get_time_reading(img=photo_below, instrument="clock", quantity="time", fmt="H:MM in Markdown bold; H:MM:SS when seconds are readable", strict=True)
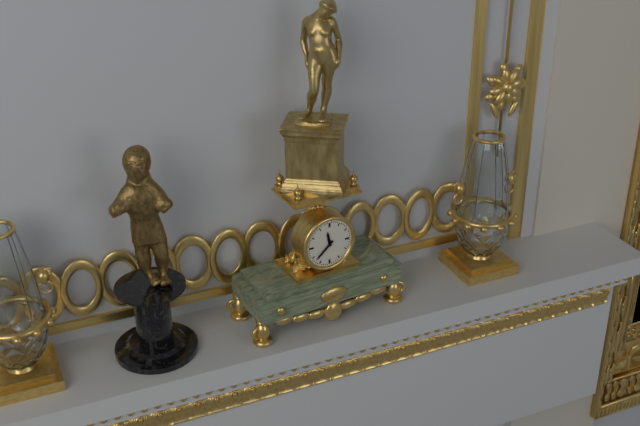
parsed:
**11:38**
